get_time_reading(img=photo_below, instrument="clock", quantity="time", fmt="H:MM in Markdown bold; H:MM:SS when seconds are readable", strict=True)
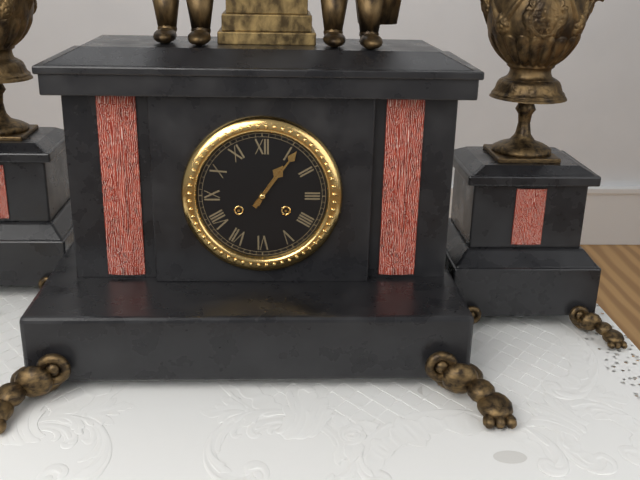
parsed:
**1:06**
